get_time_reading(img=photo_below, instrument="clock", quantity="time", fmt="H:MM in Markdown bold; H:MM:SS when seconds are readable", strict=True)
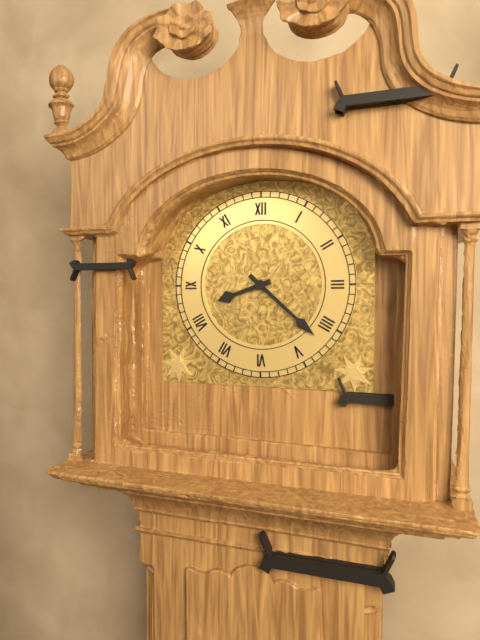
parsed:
**8:22**
